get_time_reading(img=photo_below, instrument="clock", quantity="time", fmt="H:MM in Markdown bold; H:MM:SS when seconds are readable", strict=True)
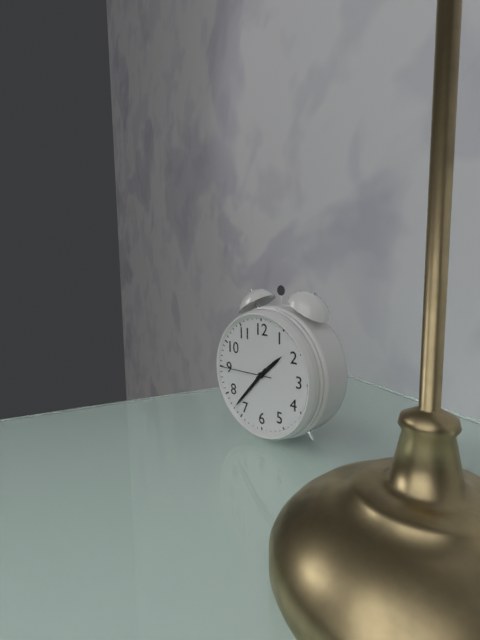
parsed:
**1:37:45**
